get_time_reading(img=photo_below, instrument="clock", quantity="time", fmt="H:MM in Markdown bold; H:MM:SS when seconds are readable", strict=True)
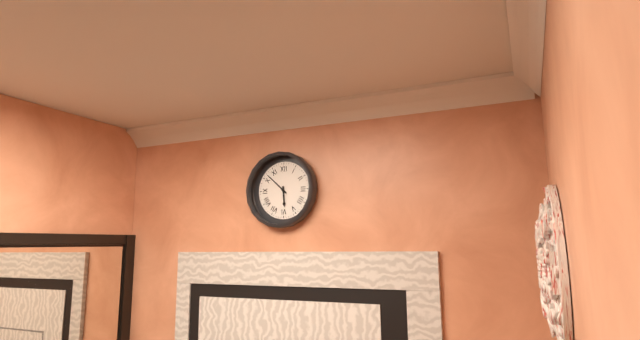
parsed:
**5:52**
